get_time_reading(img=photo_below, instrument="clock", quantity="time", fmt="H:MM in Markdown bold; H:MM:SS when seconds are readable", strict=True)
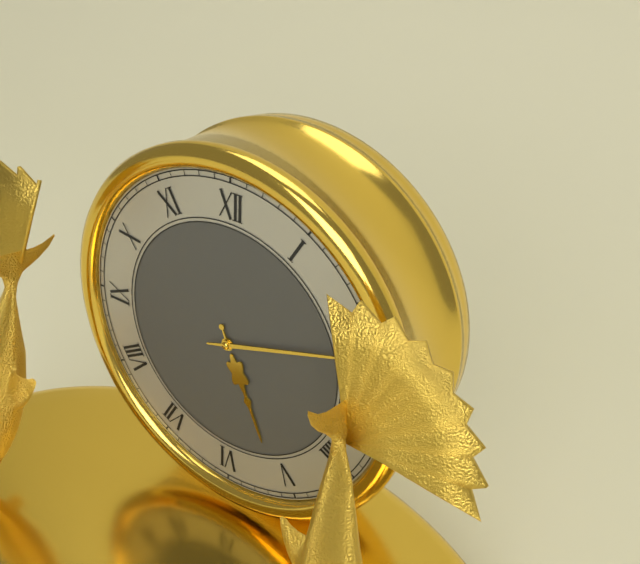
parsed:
**5:12**
